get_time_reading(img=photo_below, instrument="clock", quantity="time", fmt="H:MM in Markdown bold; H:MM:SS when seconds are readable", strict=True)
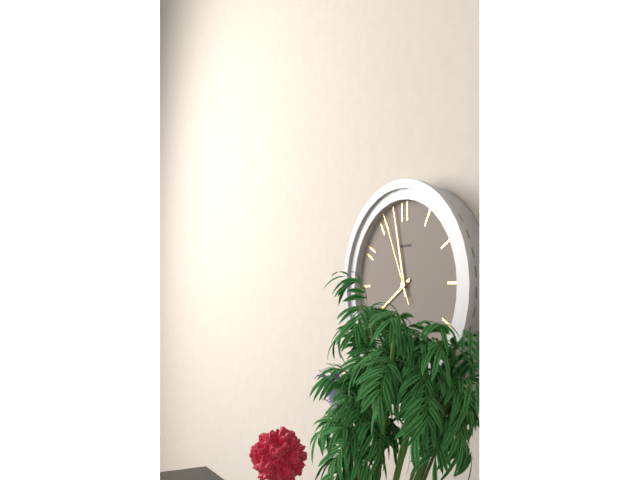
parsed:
**7:58:56**
